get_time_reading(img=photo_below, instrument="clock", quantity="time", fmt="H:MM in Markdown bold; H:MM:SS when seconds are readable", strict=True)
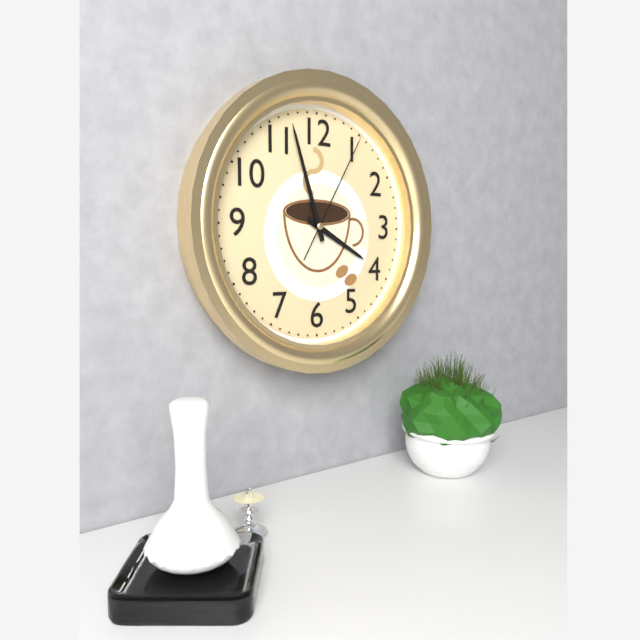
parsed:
**3:57:05**
